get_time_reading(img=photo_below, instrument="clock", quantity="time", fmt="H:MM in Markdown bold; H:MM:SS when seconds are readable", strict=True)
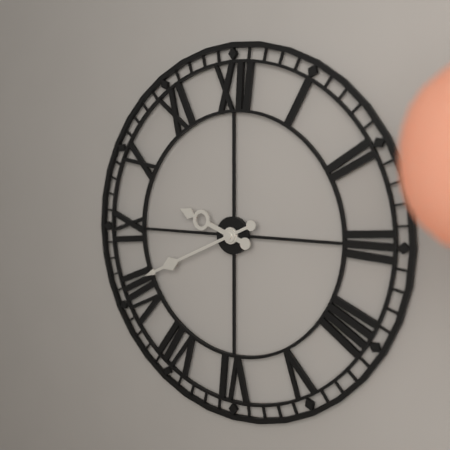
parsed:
**9:41**
